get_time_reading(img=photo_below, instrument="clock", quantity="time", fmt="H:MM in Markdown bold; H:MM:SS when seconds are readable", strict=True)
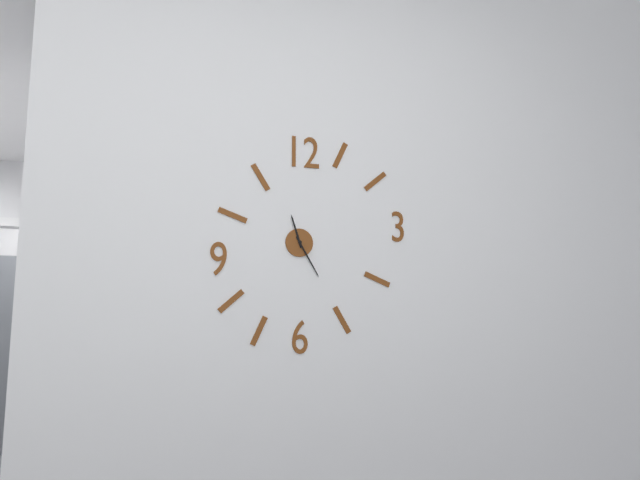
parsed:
**11:25**
